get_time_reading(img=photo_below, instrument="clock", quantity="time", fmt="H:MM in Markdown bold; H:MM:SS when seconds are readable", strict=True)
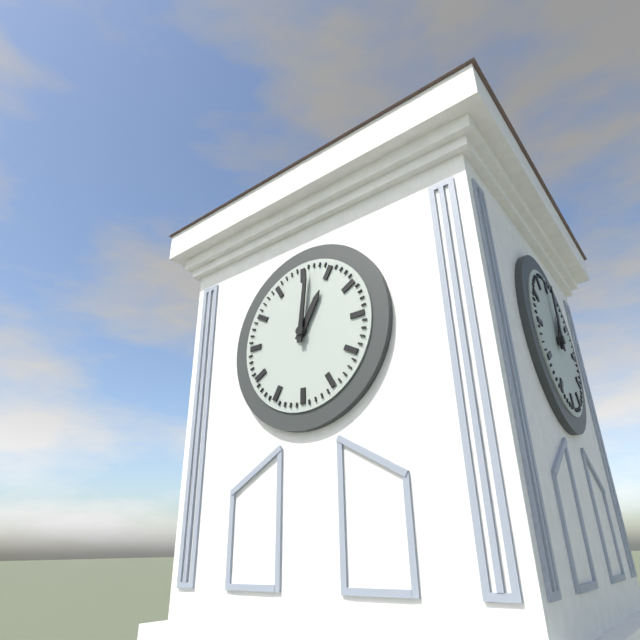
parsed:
**1:01**
